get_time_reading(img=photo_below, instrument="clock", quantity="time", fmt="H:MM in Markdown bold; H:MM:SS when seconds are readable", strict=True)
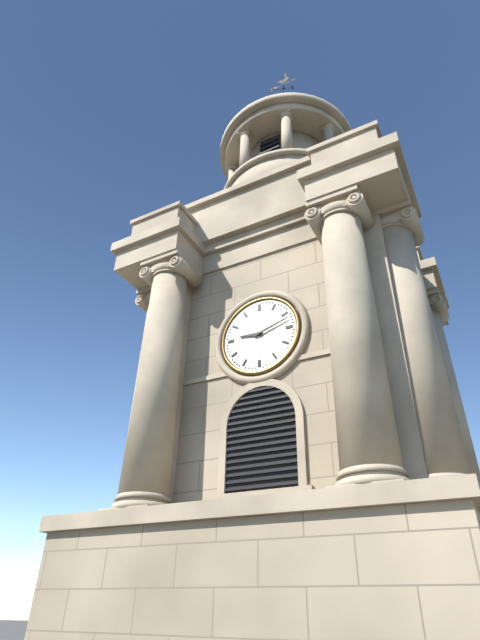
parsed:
**9:12**
